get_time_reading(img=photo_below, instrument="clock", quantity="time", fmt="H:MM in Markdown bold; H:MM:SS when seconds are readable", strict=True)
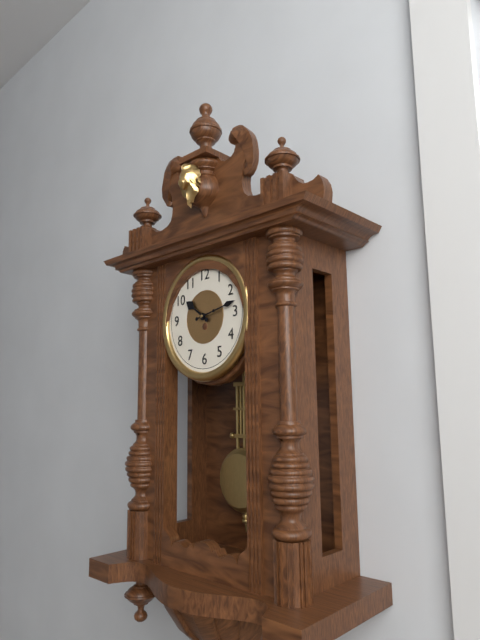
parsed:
**10:13**
